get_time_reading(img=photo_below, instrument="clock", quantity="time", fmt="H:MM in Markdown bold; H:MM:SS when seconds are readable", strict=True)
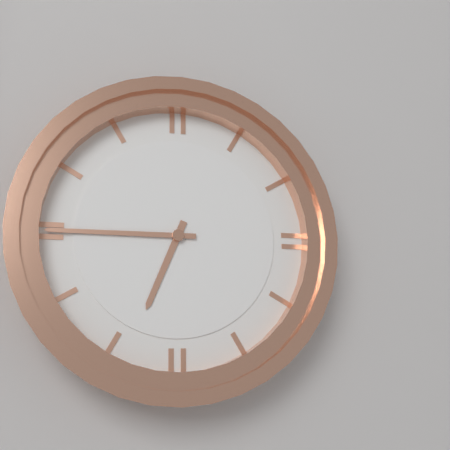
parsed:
**6:45**
